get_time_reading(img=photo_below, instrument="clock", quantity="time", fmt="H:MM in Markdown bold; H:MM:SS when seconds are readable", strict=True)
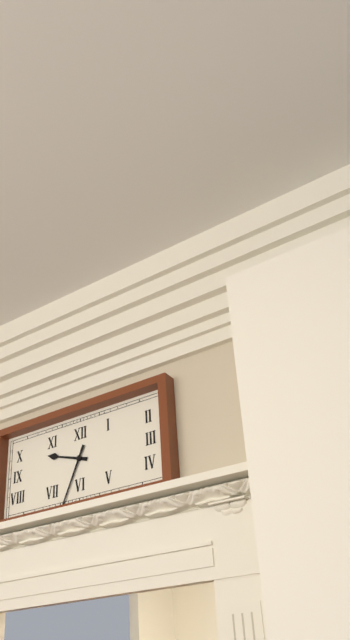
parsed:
**9:34**
